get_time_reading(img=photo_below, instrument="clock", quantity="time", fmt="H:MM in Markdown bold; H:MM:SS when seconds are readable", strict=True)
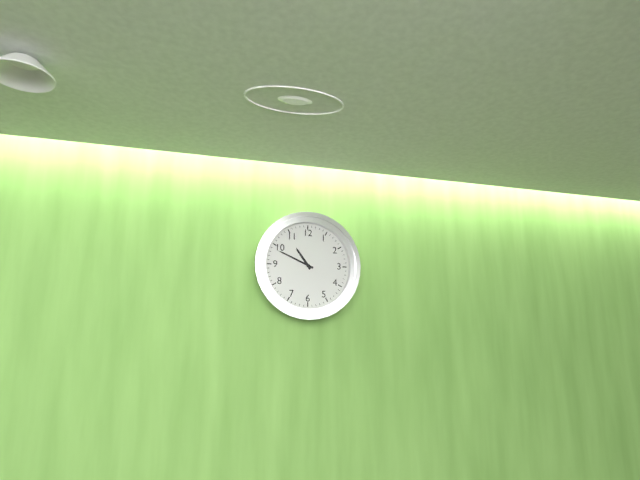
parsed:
**10:49**
